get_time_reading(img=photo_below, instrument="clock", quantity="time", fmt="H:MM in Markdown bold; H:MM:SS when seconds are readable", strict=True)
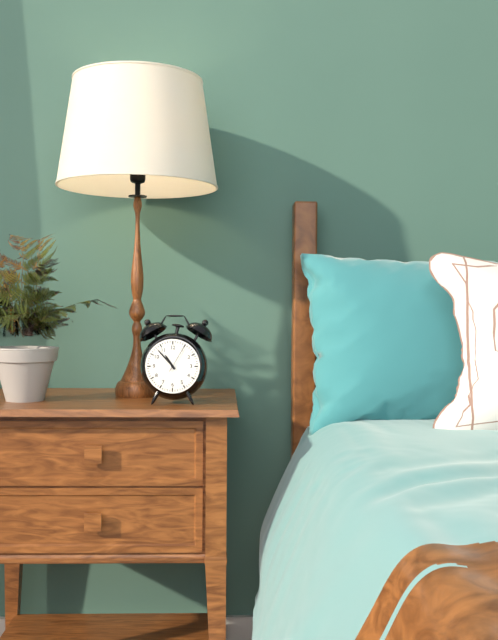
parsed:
**10:53**
